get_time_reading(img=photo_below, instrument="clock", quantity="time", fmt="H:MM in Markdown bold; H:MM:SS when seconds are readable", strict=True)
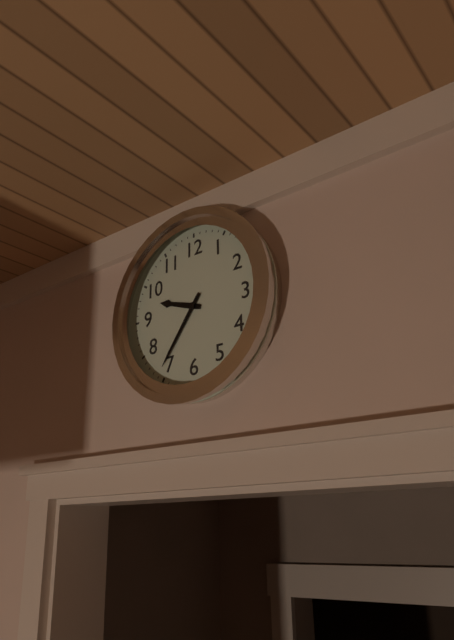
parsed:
**9:36**
